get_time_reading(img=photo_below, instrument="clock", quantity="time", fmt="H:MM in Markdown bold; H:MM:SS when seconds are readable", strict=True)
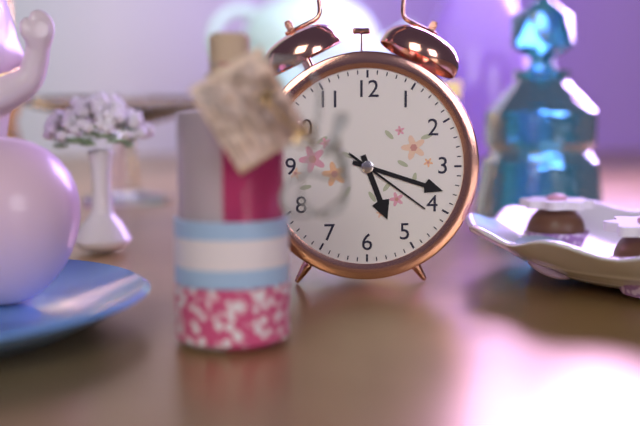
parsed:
**5:18:21**
